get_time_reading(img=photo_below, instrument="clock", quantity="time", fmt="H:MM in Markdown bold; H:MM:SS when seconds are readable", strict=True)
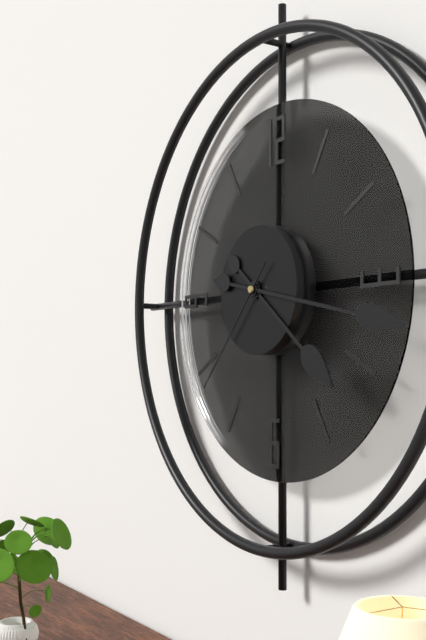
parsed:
**4:17:37**
